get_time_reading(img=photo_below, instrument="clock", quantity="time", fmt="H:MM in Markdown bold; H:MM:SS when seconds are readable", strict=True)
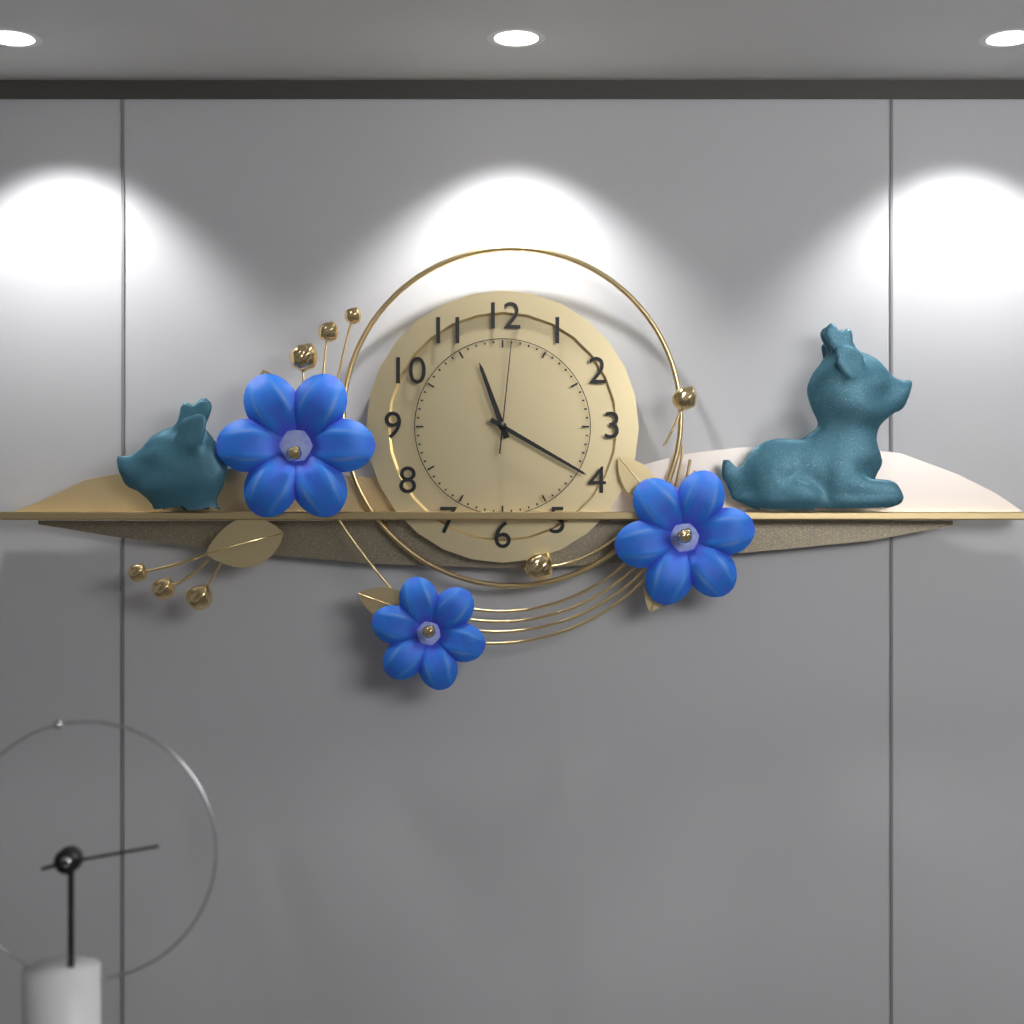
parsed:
**11:20:01**
